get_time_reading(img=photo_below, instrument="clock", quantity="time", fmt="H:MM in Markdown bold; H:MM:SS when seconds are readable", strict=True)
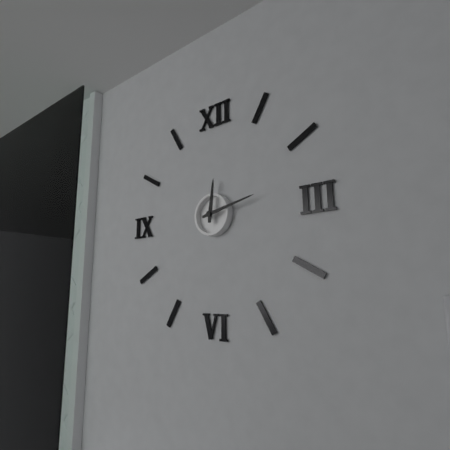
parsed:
**12:13**
